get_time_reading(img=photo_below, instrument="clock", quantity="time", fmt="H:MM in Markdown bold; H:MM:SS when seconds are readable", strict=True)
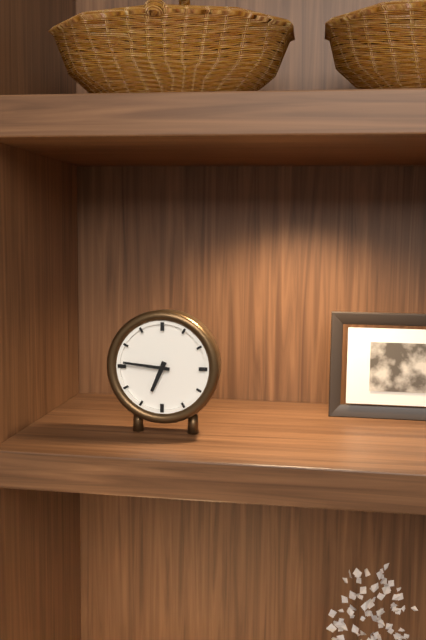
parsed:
**6:46**
